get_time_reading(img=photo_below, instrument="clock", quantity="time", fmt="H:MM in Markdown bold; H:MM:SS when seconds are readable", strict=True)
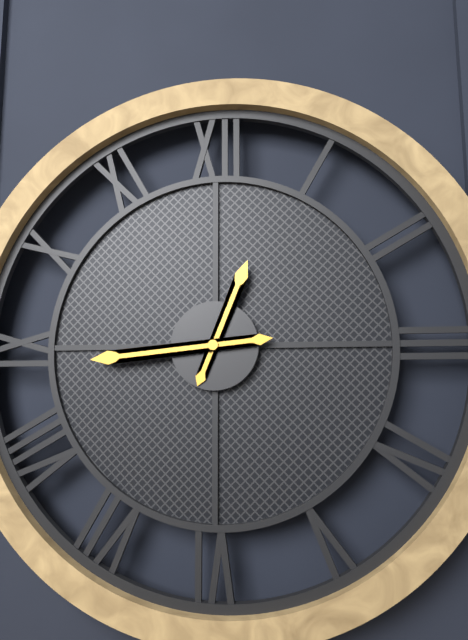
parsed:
**12:44**
